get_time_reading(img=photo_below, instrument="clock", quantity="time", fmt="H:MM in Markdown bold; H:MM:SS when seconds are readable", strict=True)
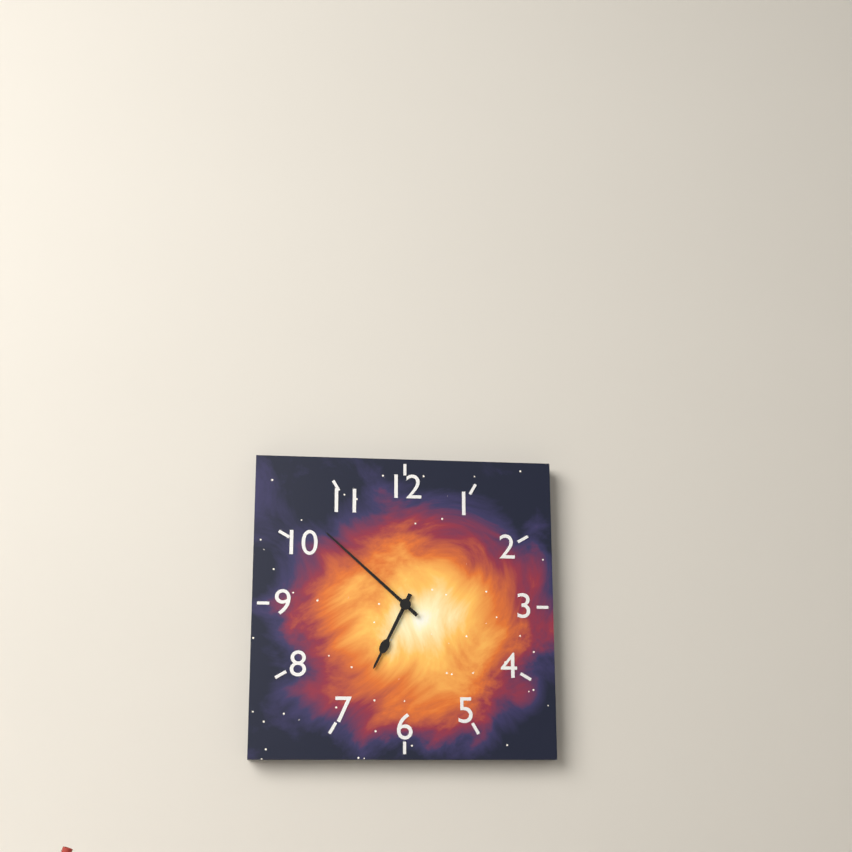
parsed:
**6:52**
